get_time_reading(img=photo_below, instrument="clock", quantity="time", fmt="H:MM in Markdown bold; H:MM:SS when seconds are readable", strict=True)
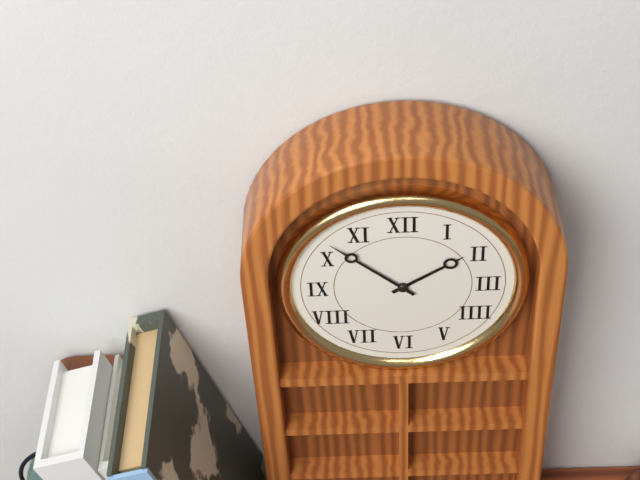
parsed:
**1:52**
